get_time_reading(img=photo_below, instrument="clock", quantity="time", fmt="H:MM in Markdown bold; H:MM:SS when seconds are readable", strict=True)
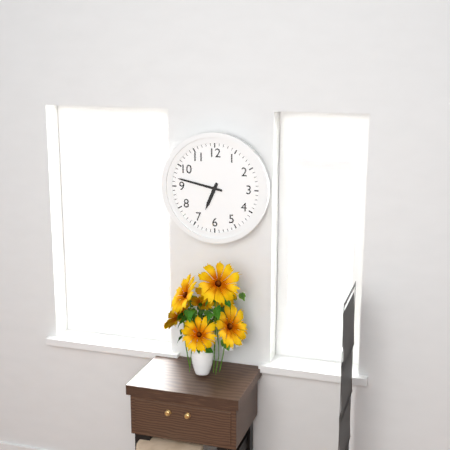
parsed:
**6:47**
